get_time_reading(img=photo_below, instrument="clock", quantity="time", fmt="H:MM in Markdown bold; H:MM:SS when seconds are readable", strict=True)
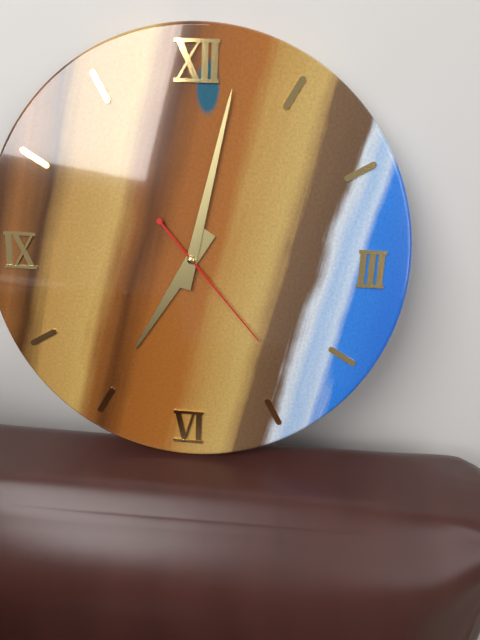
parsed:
**7:02:23**
